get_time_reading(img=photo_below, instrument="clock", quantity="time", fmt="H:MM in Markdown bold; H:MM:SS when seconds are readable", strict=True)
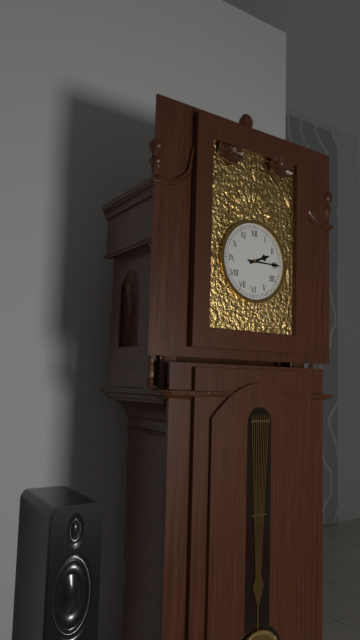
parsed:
**2:15**
